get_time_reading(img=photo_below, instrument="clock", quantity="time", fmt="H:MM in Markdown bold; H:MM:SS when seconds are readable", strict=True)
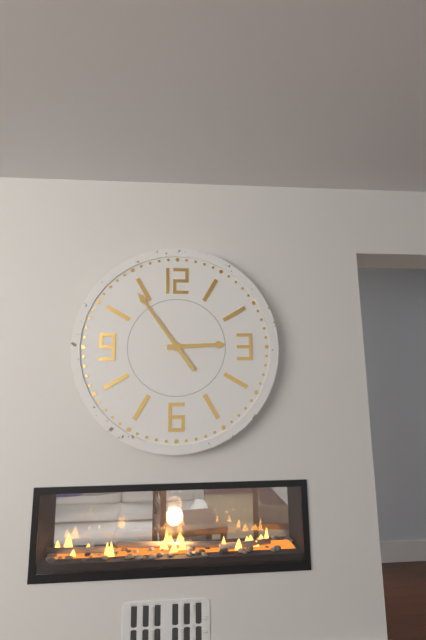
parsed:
**2:54**
